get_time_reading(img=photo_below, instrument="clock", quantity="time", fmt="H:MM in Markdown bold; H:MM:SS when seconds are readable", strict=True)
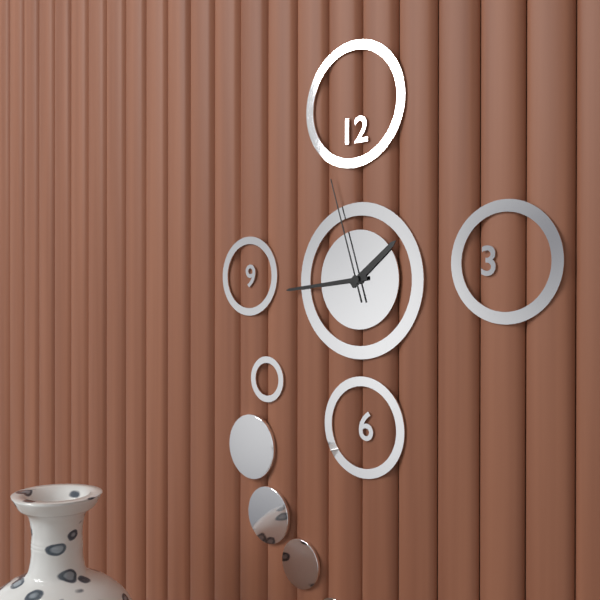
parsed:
**1:44:57**
